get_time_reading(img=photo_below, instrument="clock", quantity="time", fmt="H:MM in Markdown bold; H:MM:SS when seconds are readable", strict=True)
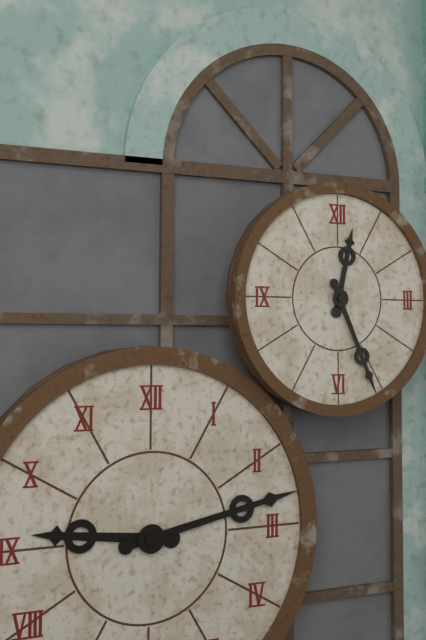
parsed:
**12:26**
